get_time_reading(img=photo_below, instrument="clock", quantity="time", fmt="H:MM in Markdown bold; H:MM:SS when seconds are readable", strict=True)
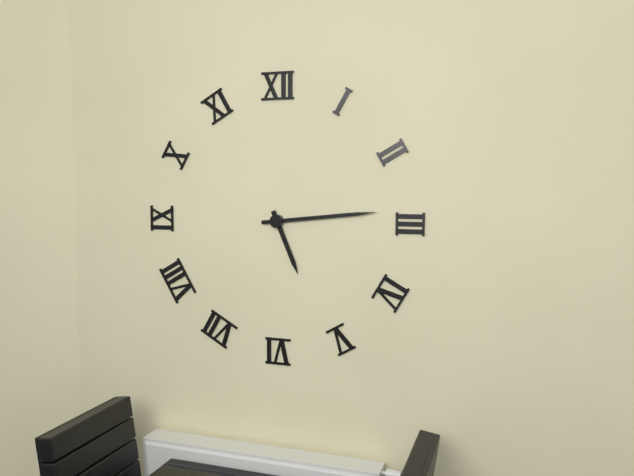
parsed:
**5:14**
